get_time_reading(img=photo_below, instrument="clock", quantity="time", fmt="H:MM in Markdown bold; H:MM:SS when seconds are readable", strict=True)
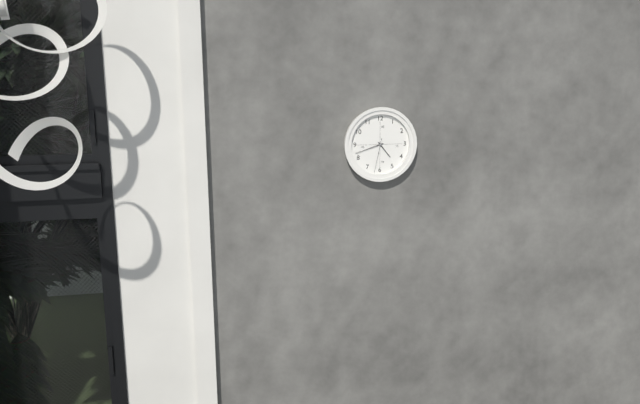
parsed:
**4:42**
